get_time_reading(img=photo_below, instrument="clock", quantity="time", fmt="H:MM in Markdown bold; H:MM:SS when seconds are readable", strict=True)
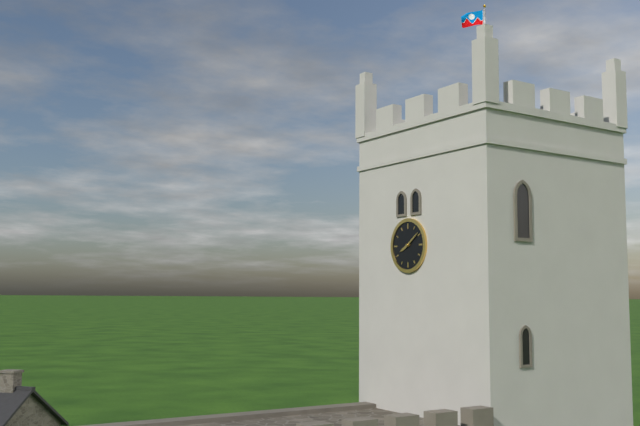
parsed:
**8:09**
